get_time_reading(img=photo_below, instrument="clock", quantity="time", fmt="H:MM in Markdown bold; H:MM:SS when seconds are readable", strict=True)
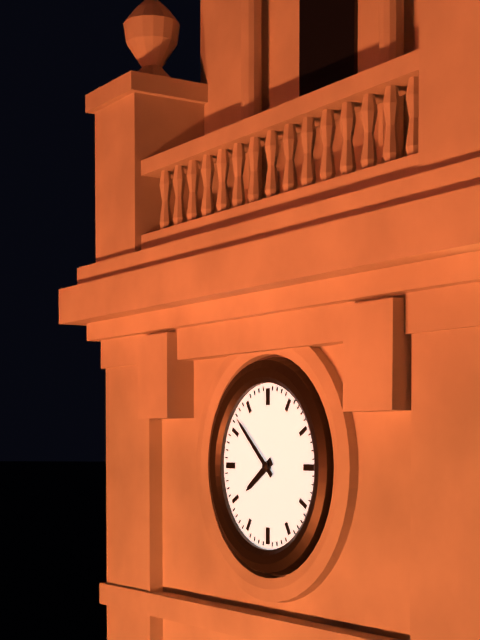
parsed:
**7:52**
